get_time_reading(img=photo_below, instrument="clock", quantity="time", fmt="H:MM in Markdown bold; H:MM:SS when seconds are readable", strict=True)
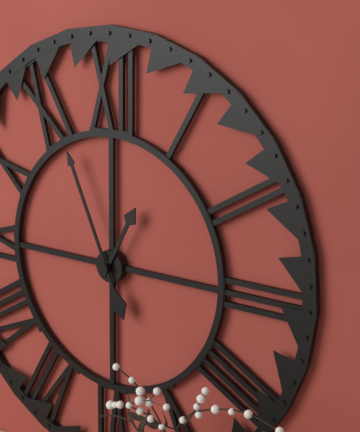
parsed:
**12:56**
